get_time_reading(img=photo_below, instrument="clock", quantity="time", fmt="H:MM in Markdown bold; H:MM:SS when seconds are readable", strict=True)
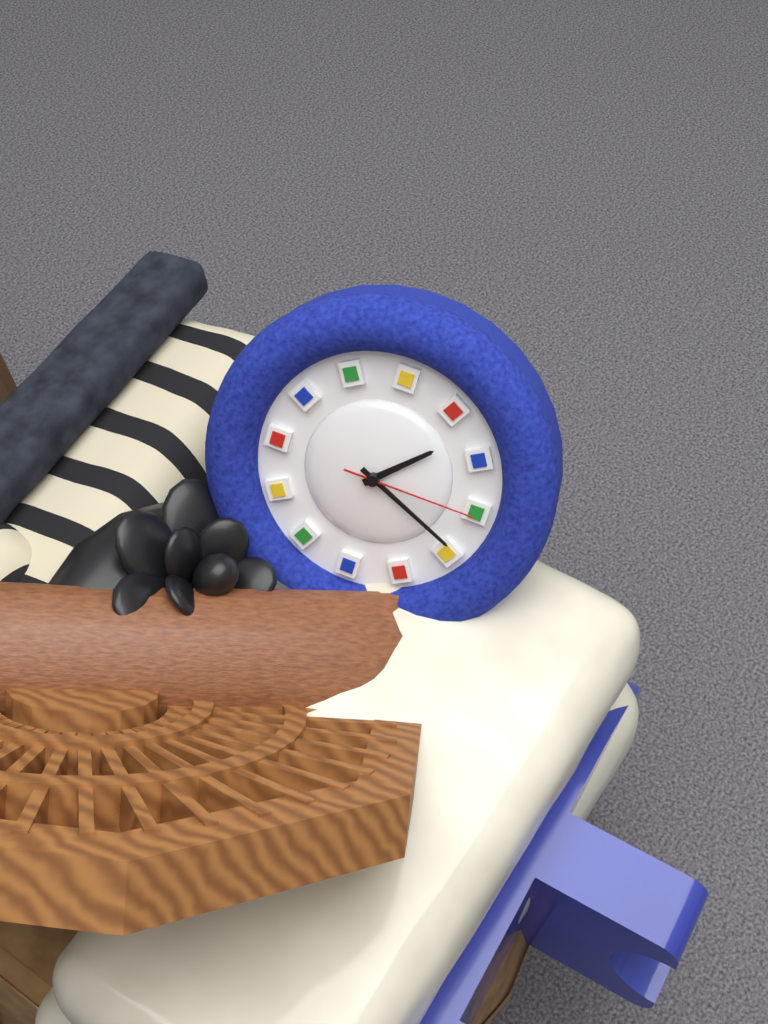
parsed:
**3:29:25**
